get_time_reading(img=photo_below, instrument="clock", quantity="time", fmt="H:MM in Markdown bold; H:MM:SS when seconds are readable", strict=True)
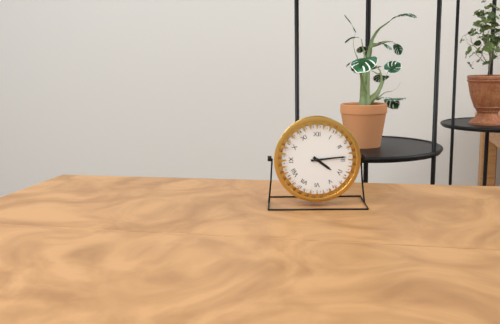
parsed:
**4:14**
